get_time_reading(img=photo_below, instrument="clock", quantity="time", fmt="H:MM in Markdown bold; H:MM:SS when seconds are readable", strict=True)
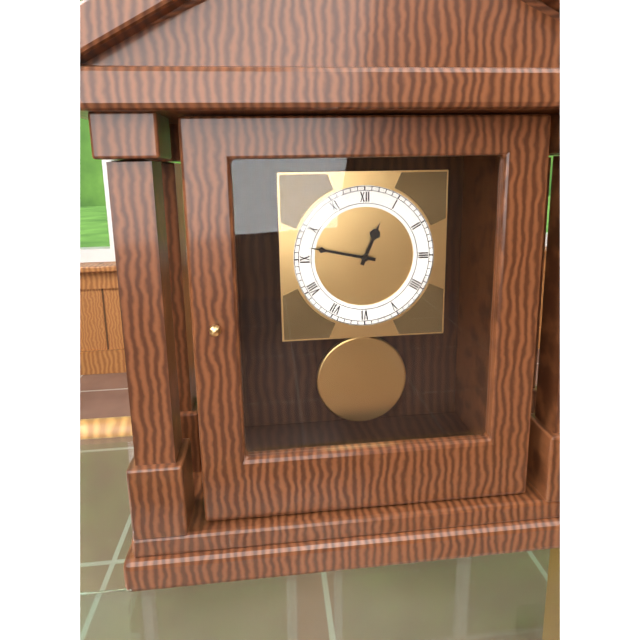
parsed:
**12:47**
